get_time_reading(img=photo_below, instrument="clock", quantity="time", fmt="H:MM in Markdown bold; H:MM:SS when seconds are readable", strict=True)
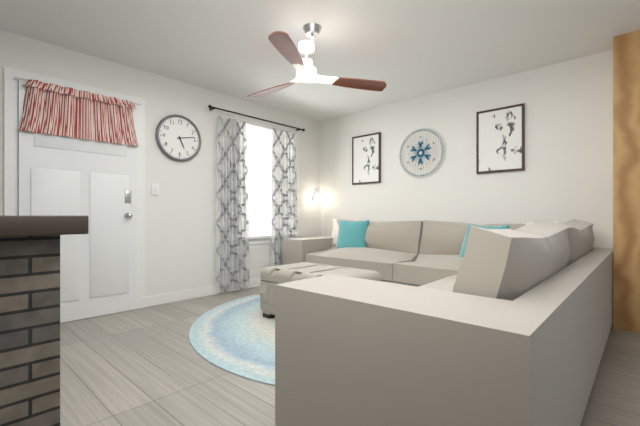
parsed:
**5:13**
